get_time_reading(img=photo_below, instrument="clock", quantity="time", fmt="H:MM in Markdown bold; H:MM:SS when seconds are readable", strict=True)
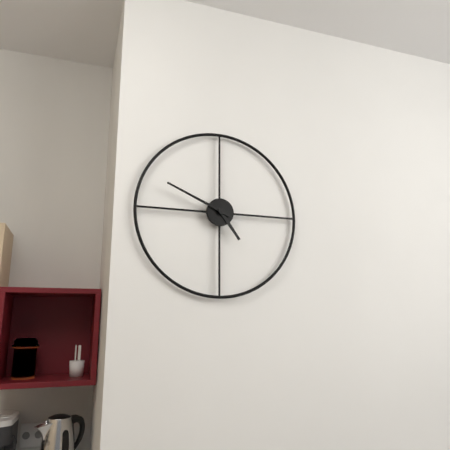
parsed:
**4:49**
